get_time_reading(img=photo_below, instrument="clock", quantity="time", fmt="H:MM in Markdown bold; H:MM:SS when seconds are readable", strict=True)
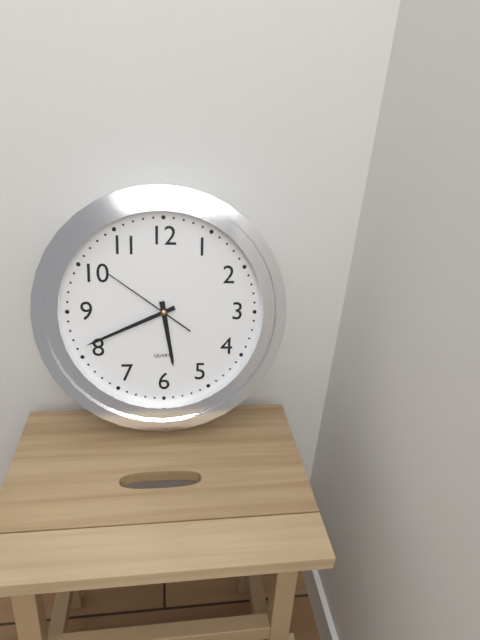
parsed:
**5:41:51**
